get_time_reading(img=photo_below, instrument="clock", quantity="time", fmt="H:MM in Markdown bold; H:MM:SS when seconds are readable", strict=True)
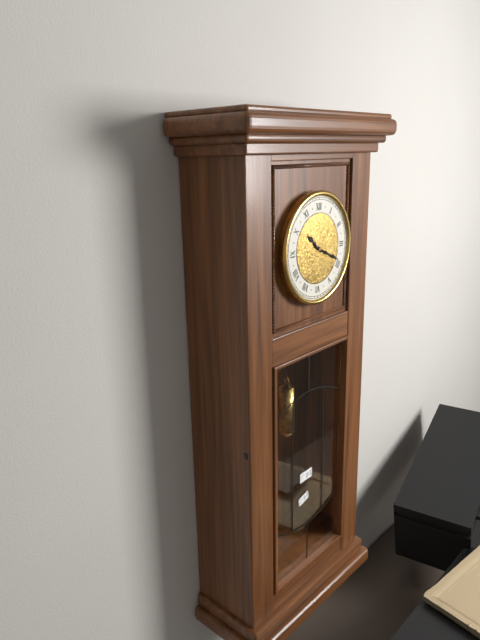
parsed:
**10:19**
